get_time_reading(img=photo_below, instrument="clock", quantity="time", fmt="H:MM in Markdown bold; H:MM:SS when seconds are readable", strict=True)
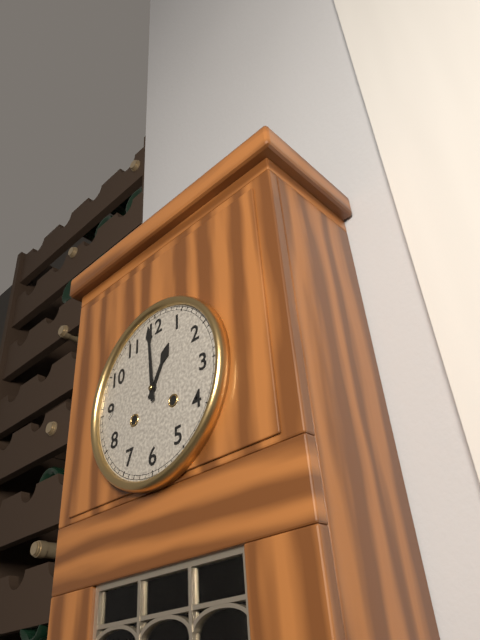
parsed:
**12:59**
